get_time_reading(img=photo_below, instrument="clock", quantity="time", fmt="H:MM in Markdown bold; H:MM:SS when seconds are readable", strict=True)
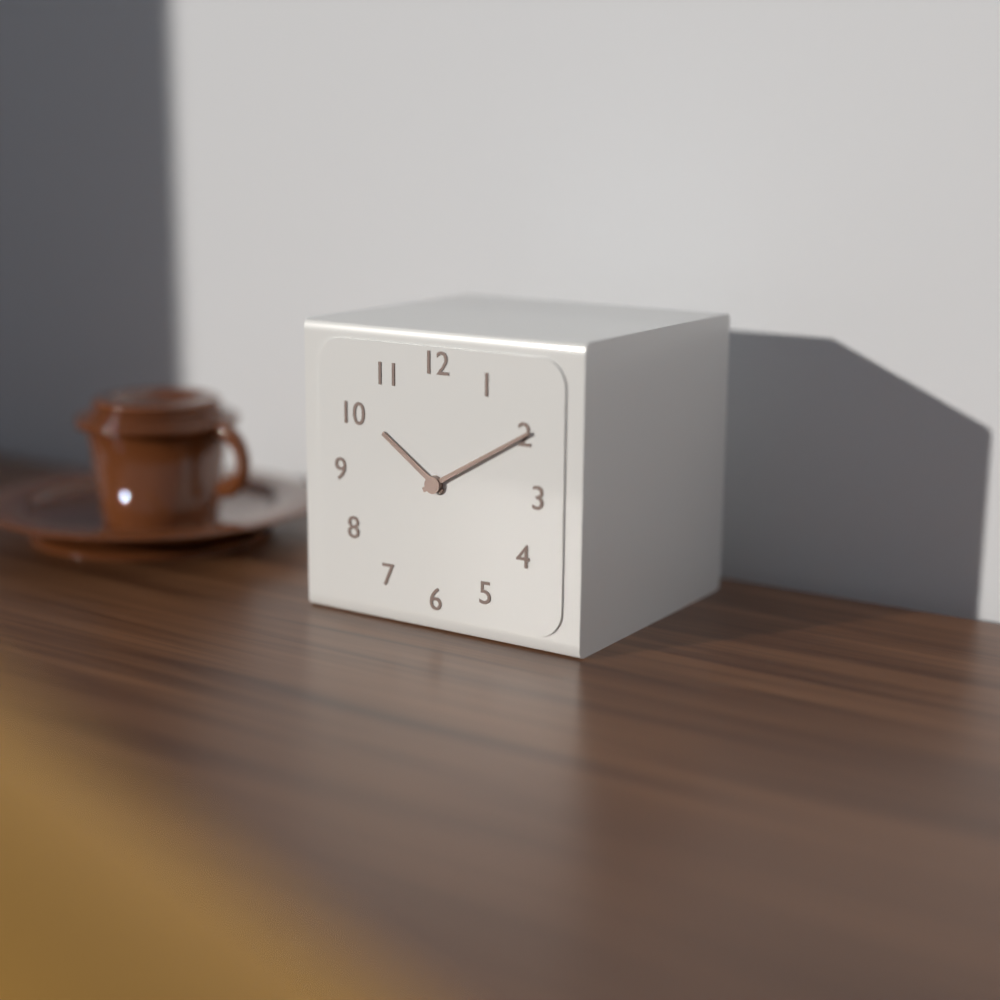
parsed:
**10:10**
